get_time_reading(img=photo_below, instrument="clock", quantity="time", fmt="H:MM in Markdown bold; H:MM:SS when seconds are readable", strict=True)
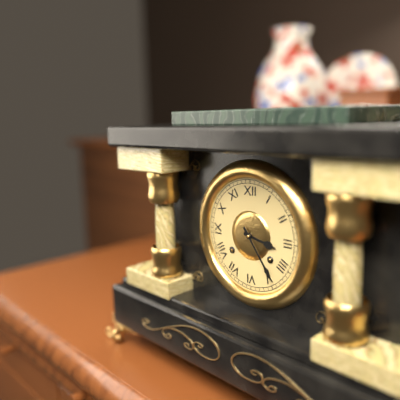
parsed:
**3:24**
